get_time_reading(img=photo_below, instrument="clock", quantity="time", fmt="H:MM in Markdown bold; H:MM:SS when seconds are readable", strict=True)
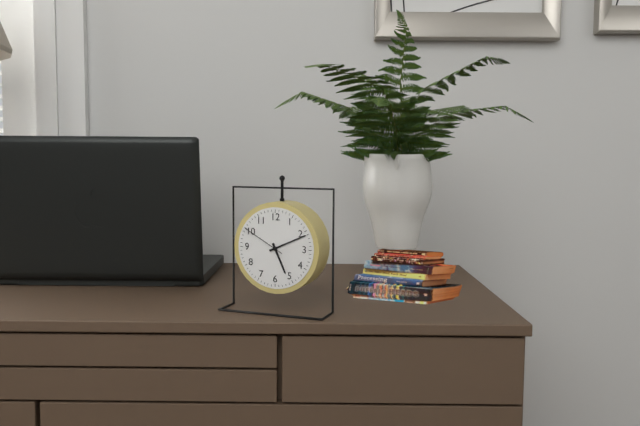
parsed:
**5:11:50**
